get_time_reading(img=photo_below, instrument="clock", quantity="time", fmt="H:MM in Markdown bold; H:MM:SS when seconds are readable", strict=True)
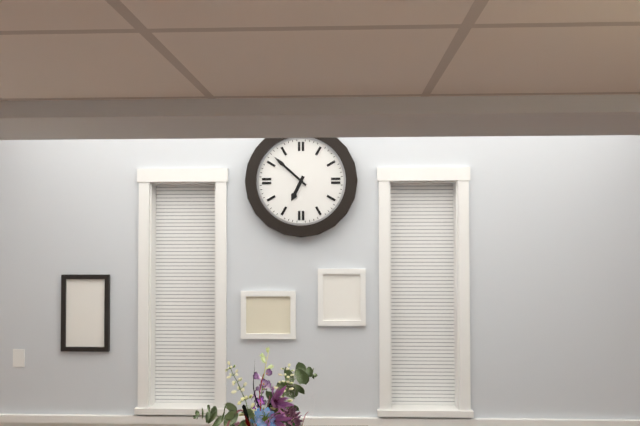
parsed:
**6:52**
